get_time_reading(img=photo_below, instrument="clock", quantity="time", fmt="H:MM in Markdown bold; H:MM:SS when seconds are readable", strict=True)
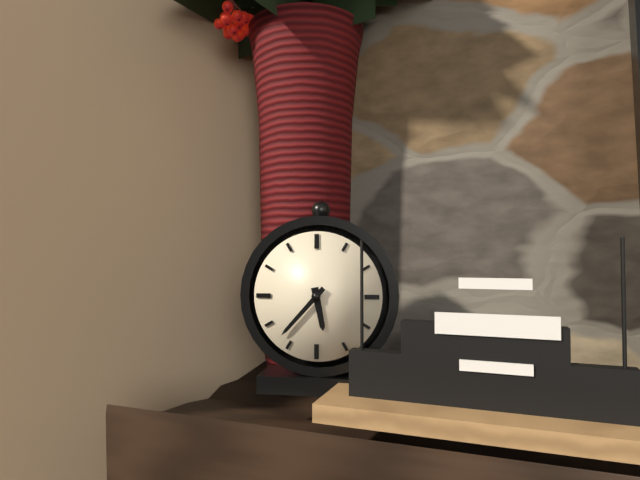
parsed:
**5:37**
